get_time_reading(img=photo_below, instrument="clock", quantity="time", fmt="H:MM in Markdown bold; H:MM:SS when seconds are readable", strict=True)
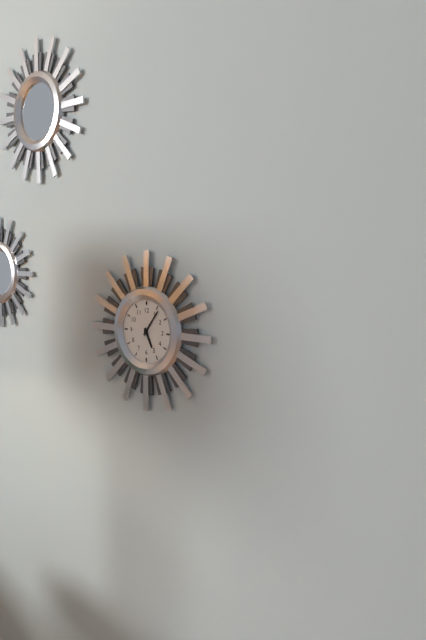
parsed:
**5:06**
